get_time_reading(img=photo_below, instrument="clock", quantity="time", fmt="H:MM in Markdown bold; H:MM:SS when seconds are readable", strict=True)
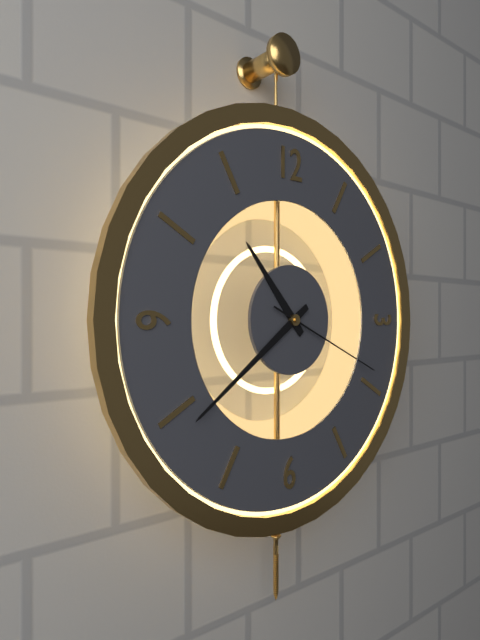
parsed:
**10:39:19**
